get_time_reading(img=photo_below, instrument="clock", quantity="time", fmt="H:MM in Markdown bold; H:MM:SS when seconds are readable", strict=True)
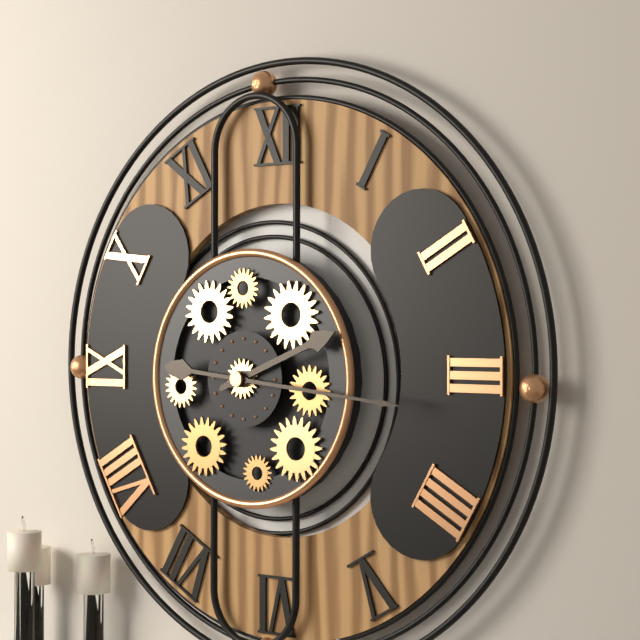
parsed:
**2:16**
